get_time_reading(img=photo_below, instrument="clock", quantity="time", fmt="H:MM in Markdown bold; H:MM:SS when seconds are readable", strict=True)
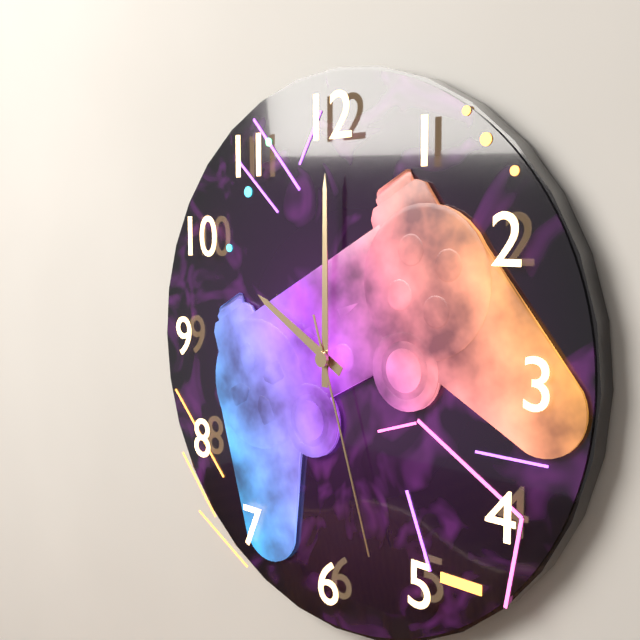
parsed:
**10:00:27**
